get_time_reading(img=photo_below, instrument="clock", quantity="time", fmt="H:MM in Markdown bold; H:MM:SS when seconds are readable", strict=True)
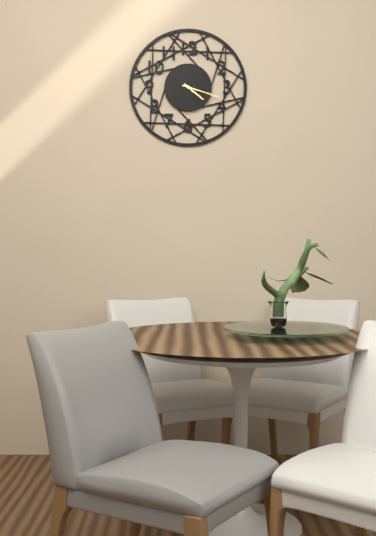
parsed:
**4:18**
